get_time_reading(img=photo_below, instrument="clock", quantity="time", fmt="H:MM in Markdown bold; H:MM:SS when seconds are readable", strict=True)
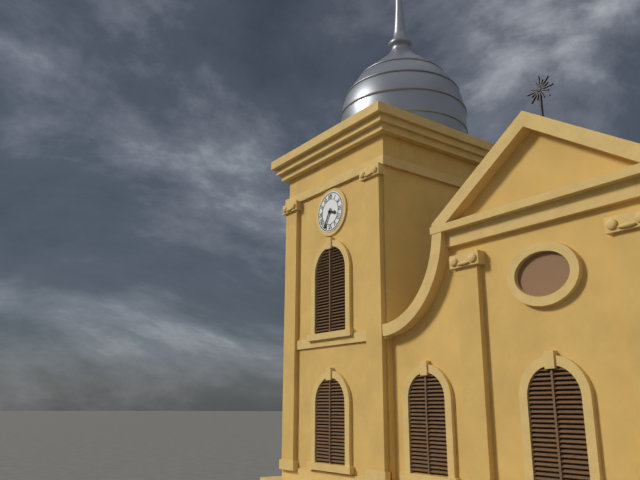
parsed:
**3:35**
